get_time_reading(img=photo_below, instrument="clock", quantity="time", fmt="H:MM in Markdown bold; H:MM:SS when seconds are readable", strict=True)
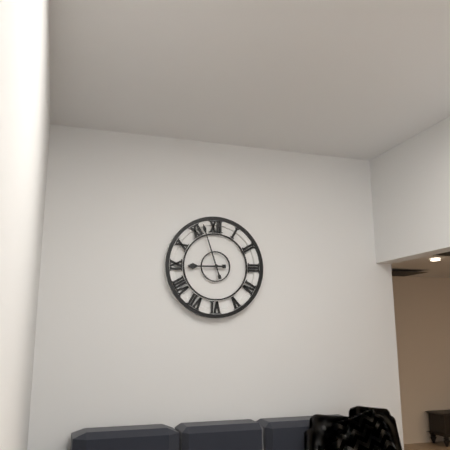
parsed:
**8:57**
